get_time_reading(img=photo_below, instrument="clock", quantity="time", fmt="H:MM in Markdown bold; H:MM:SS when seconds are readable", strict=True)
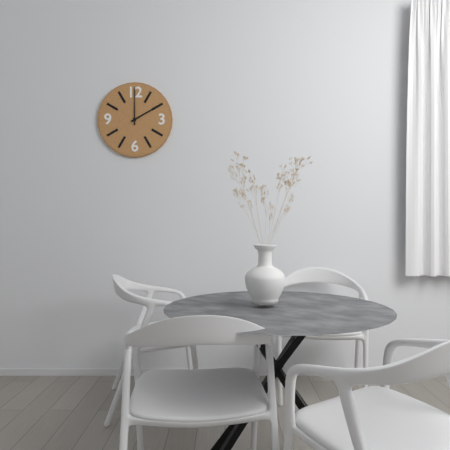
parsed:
**2:00**
